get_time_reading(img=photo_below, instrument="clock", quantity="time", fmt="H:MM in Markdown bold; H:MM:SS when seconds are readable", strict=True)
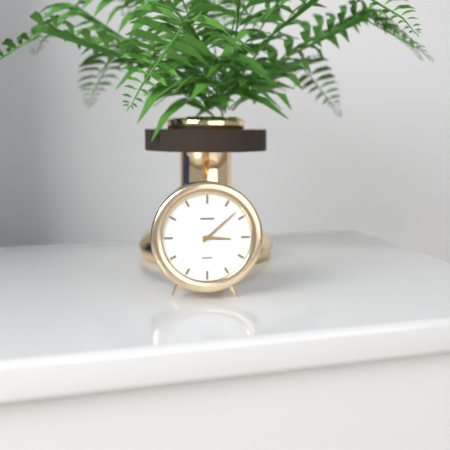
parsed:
**3:08**
